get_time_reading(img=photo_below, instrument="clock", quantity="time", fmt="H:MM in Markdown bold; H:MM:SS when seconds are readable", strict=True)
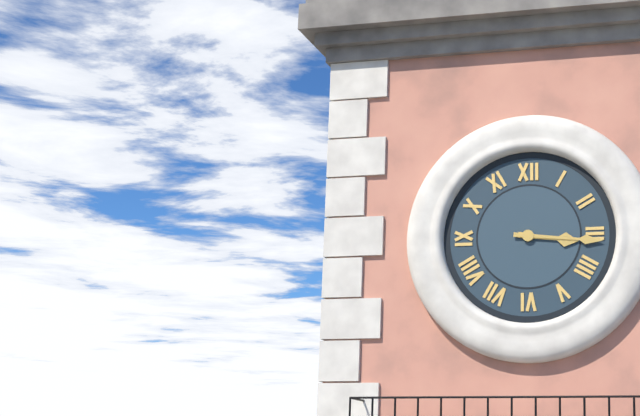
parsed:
**3:16**
